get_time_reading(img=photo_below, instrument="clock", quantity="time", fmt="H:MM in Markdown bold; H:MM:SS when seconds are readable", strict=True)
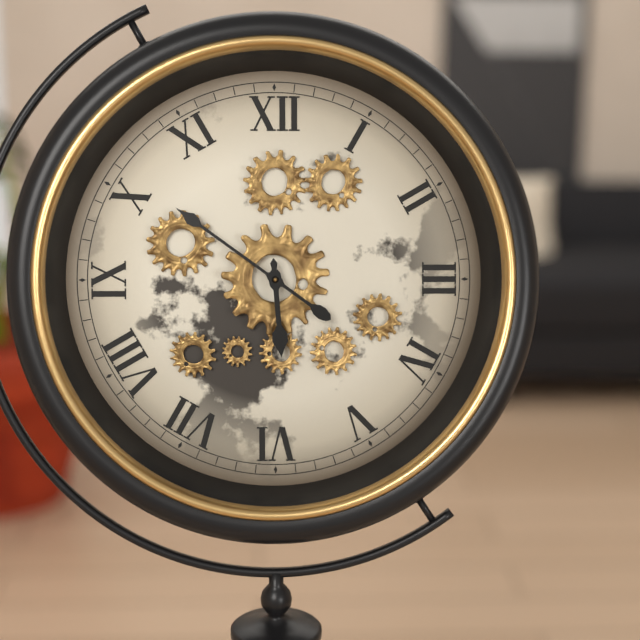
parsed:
**5:51**
